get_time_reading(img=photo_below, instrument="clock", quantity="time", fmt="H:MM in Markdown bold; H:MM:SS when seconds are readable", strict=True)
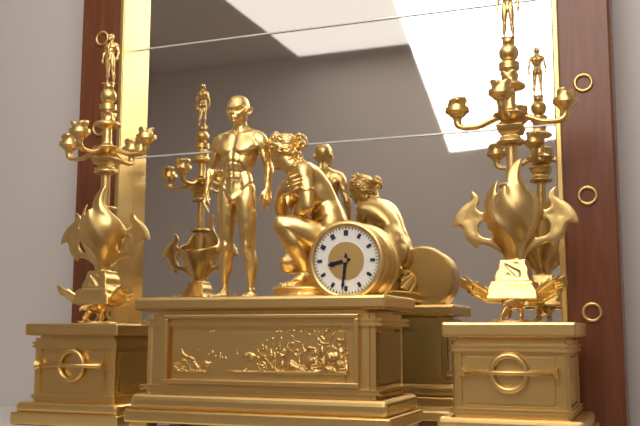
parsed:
**8:31**
